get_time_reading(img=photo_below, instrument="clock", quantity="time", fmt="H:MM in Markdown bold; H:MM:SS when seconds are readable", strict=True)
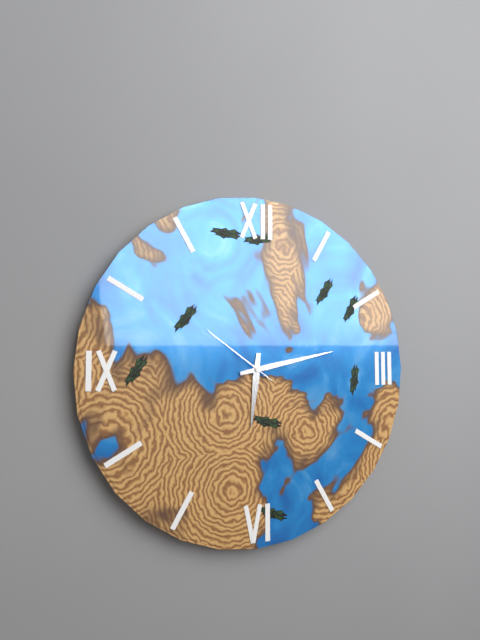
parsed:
**6:13:51**
